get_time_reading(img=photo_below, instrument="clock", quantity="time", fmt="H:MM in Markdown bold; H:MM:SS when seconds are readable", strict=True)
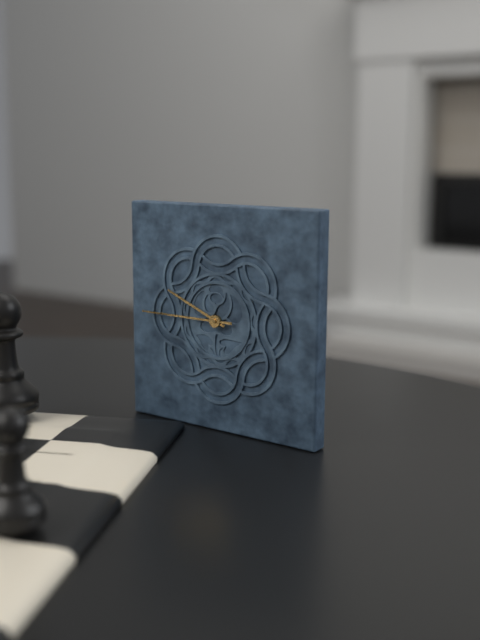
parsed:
**9:45**
